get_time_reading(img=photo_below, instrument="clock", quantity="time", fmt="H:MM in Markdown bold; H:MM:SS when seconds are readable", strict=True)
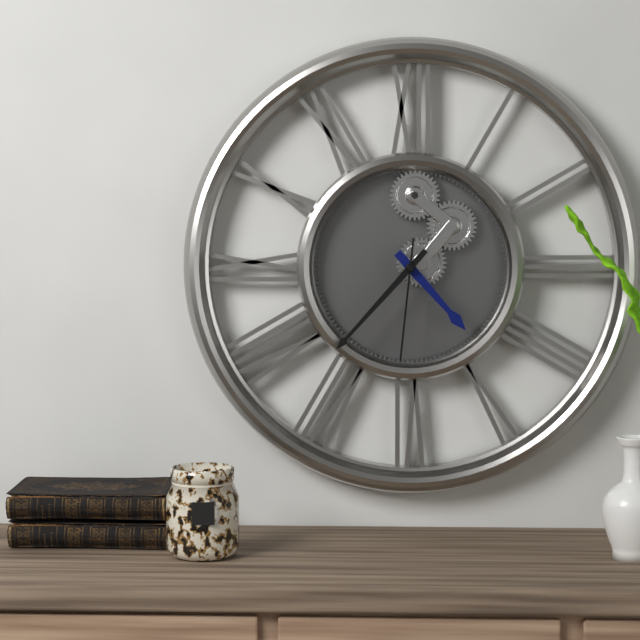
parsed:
**4:37:31**
